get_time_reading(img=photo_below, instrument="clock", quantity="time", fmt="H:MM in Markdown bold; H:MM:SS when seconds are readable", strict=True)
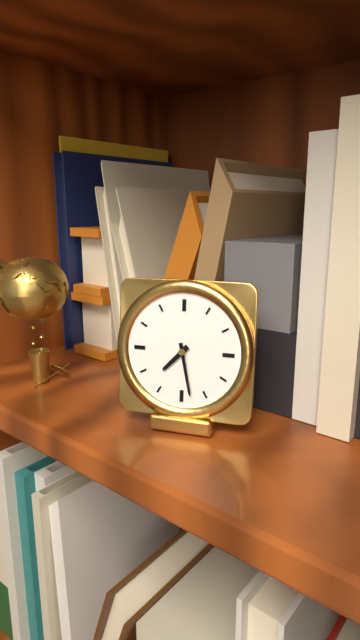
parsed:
**7:28**
